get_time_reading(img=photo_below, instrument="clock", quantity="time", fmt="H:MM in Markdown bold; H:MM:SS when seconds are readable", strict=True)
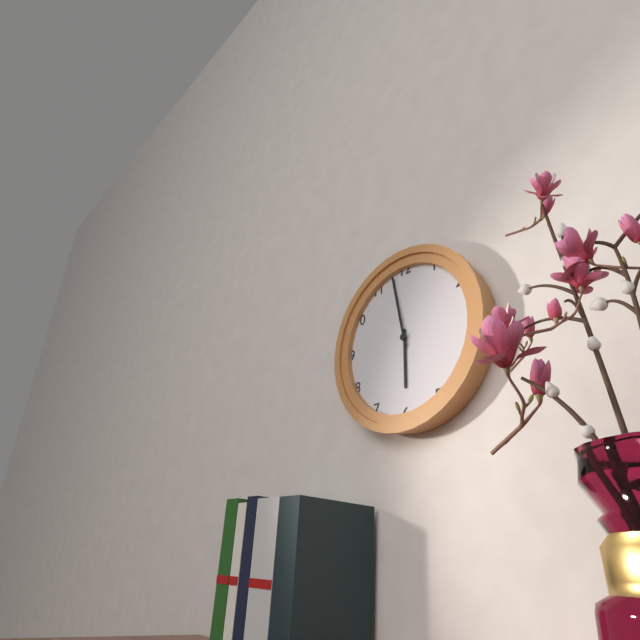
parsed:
**5:58**
